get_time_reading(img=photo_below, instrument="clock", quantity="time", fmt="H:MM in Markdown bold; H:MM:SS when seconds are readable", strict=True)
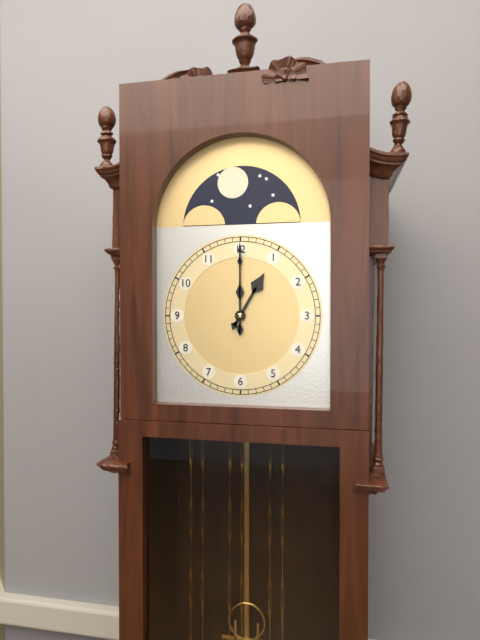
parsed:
**1:00**
